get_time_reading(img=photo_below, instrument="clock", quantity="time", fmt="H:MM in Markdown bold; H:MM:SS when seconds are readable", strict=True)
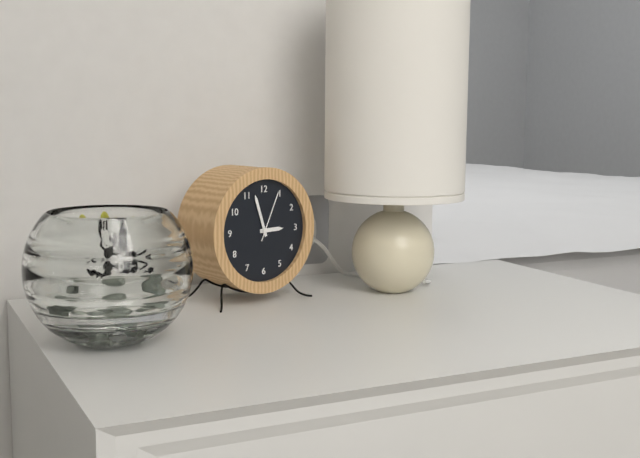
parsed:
**2:57:04**
